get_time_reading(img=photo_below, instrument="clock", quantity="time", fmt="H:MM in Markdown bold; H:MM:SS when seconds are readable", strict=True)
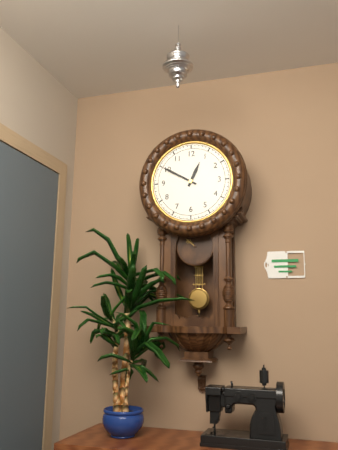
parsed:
**12:50**
